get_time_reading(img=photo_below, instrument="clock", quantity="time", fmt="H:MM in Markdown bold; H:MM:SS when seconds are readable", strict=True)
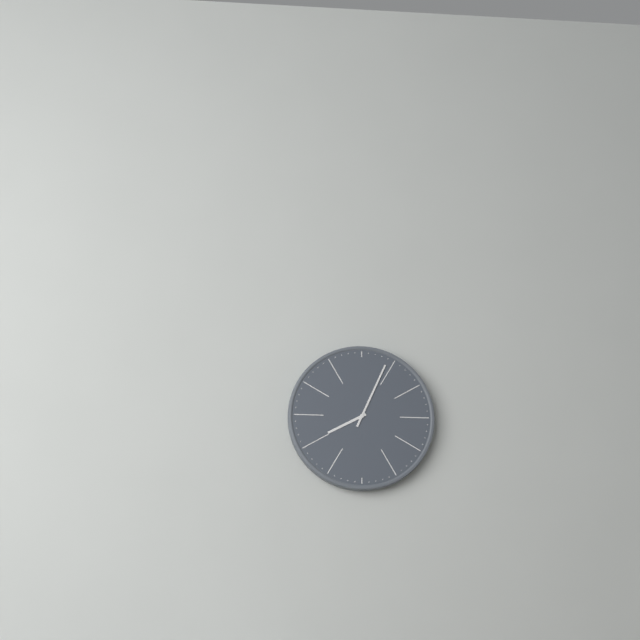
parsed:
**8:04**
